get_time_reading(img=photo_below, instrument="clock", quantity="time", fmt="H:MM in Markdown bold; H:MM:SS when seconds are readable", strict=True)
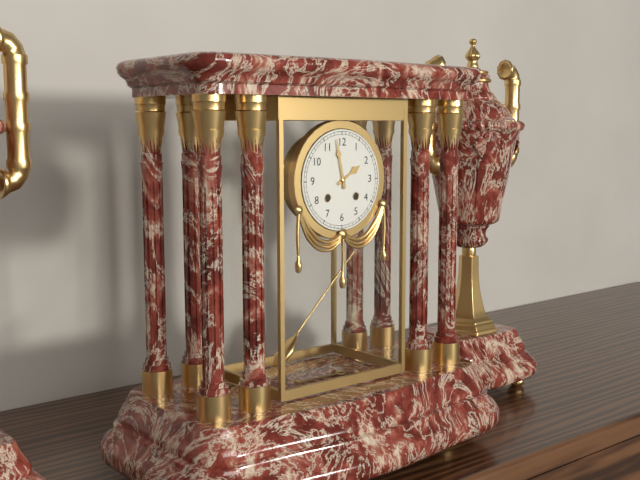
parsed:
**1:58**
